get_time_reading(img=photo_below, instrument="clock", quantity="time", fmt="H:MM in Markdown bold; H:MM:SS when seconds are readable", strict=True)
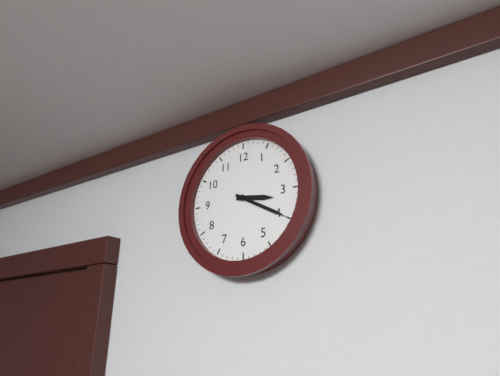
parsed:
**3:20**
